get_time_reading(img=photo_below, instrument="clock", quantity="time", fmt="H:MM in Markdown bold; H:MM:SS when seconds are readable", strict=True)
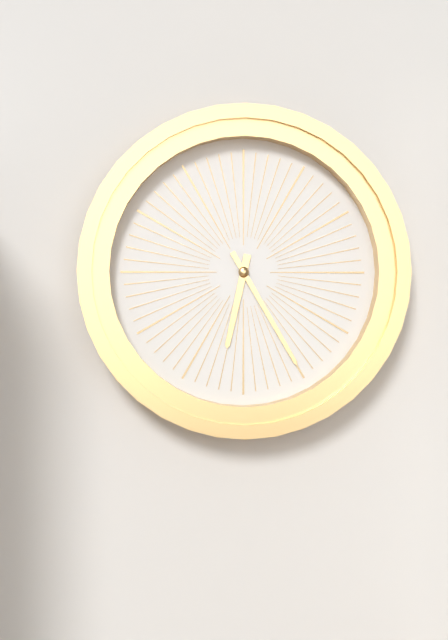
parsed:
**6:25**
